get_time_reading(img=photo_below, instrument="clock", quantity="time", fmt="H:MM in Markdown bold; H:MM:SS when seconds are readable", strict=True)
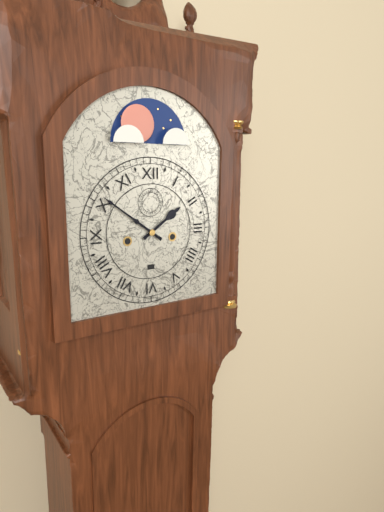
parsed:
**1:51**
